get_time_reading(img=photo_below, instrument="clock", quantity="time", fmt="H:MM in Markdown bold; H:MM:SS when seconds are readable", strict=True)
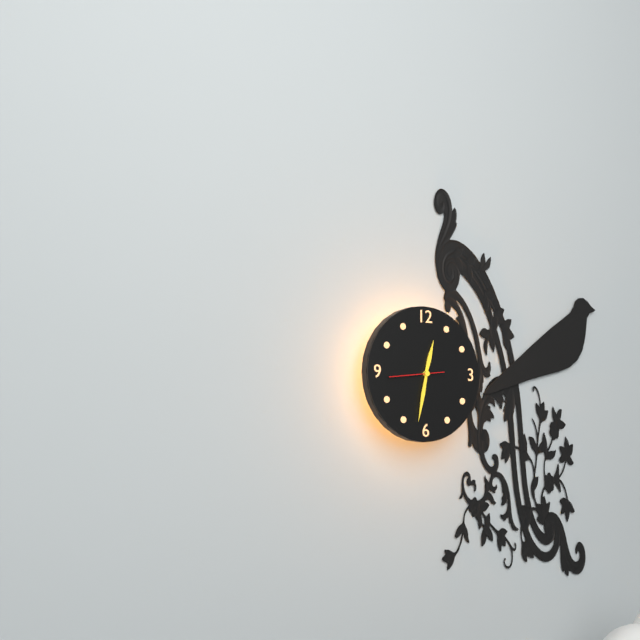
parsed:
**12:32**
